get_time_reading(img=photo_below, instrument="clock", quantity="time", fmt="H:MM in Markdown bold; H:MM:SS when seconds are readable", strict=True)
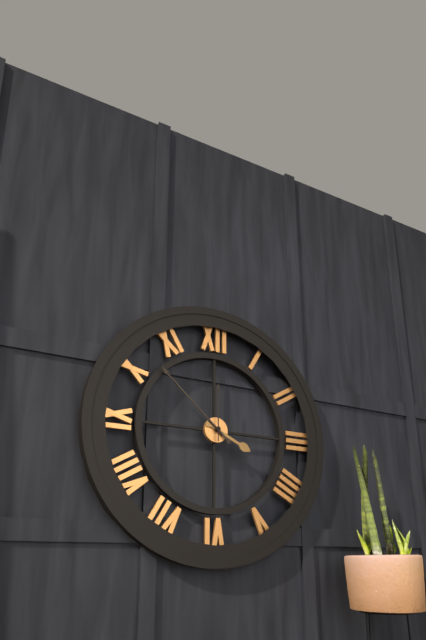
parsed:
**3:52:00**
